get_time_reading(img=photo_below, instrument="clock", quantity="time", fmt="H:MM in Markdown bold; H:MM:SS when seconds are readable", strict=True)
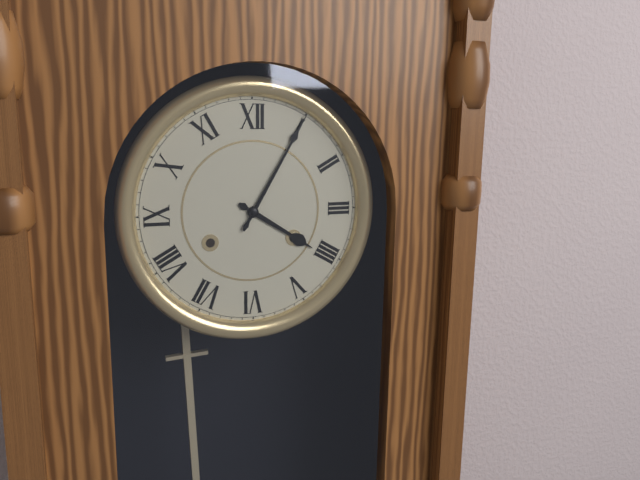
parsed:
**4:05**
